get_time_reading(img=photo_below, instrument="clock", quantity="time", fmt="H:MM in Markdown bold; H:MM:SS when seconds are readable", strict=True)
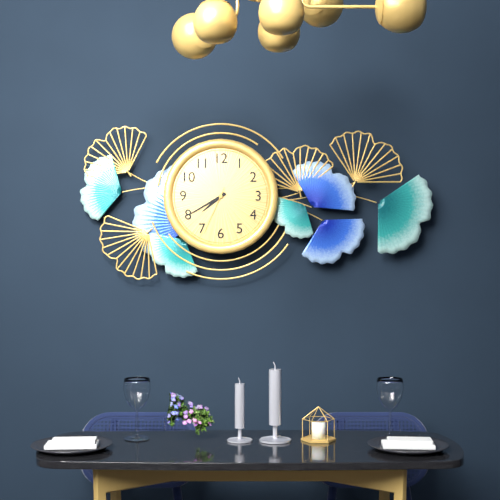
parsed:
**7:40:34**
